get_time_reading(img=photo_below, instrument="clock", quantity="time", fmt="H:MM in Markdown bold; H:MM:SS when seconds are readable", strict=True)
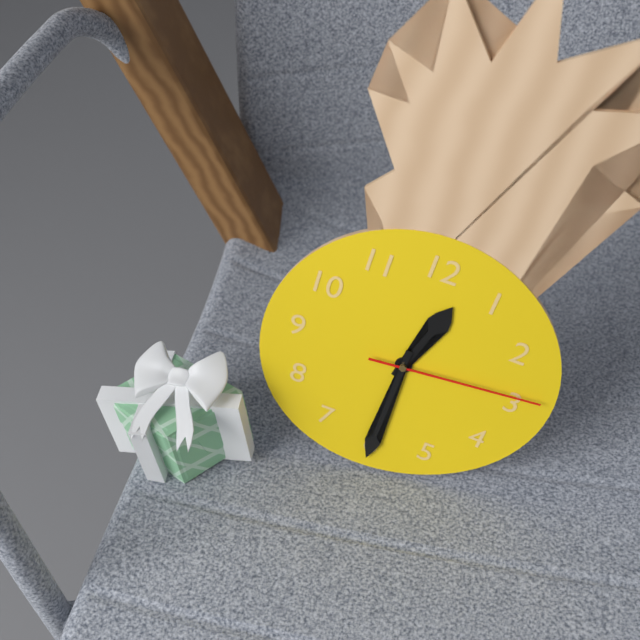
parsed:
**12:30:14**
